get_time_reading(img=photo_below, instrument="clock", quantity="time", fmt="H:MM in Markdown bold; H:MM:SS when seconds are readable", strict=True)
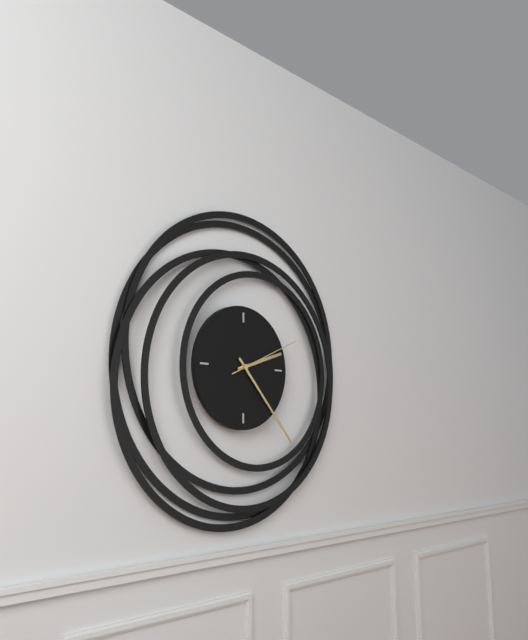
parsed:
**2:23:11**
